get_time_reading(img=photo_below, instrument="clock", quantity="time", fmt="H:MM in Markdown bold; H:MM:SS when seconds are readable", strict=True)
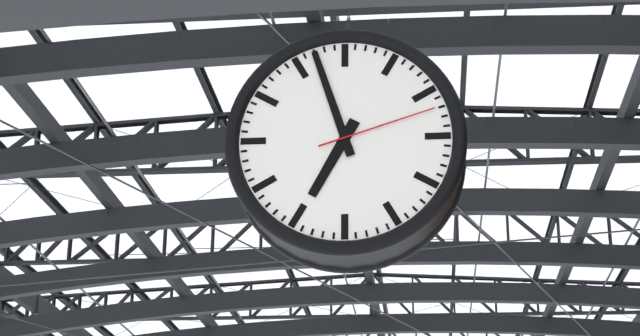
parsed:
**6:57:12**
